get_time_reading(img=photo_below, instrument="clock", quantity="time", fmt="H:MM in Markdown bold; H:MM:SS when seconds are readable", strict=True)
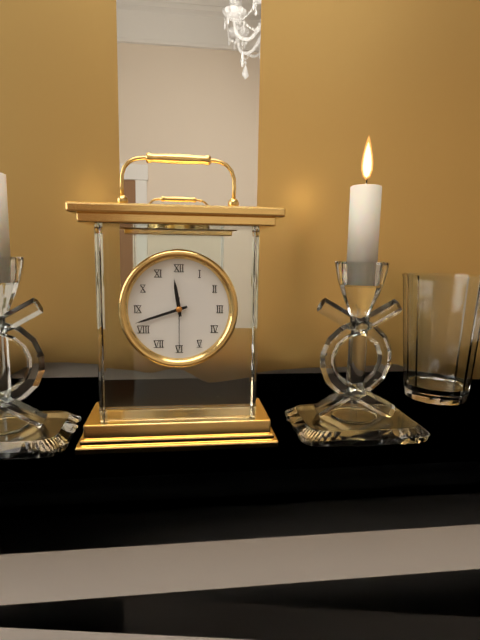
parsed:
**11:42**
